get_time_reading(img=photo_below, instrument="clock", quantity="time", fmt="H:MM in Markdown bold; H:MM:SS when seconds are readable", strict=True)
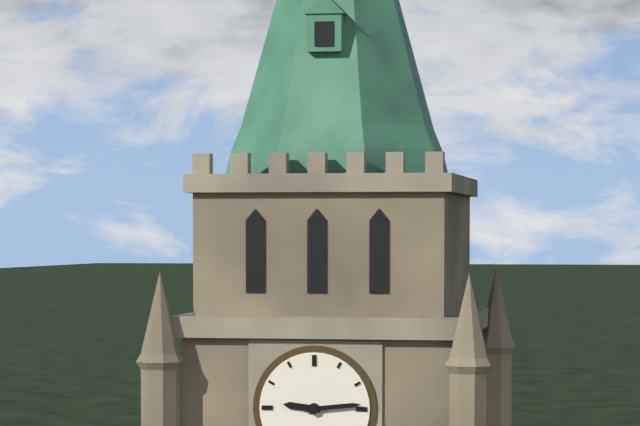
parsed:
**9:14**
